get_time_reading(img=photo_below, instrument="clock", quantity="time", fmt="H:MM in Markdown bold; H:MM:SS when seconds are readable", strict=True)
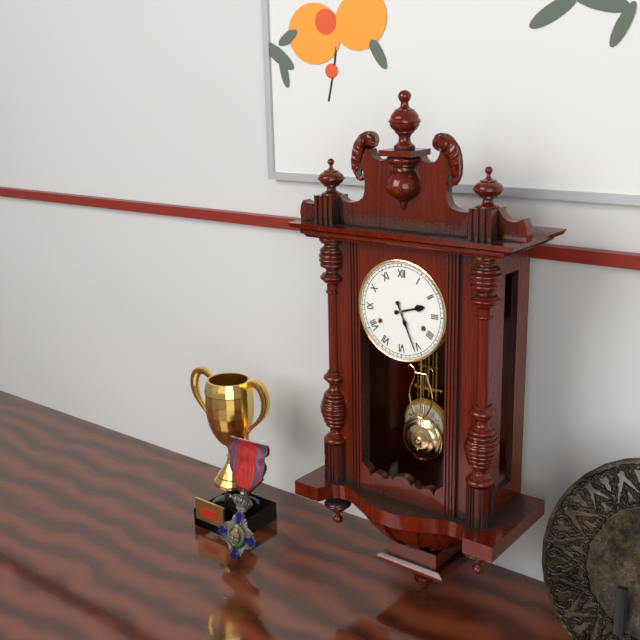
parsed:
**2:26**
